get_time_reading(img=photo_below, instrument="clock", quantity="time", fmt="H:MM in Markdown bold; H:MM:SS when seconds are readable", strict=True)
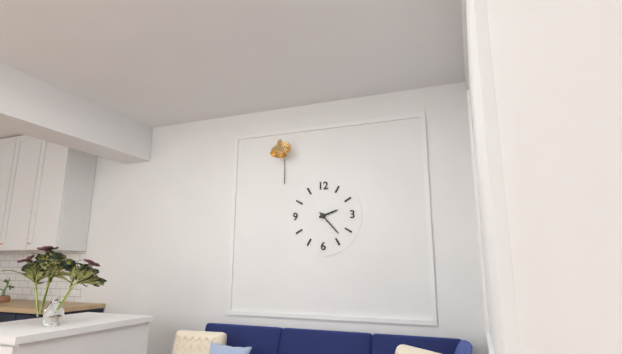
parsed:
**2:23**
